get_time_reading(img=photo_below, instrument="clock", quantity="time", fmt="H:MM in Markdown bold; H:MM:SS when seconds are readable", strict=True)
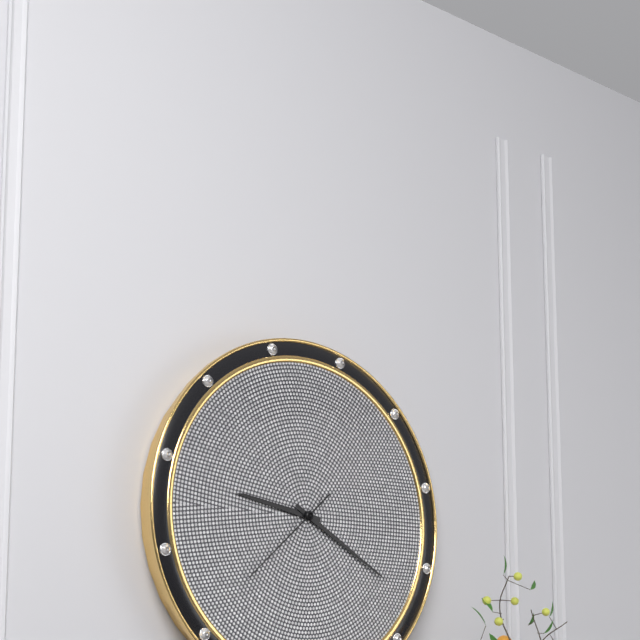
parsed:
**9:20:38**
